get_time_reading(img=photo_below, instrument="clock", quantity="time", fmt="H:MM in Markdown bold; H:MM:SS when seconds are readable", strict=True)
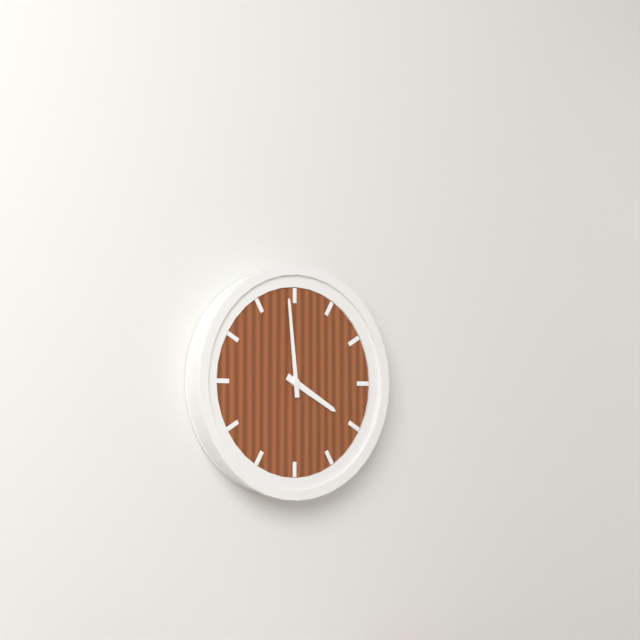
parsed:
**3:59**
